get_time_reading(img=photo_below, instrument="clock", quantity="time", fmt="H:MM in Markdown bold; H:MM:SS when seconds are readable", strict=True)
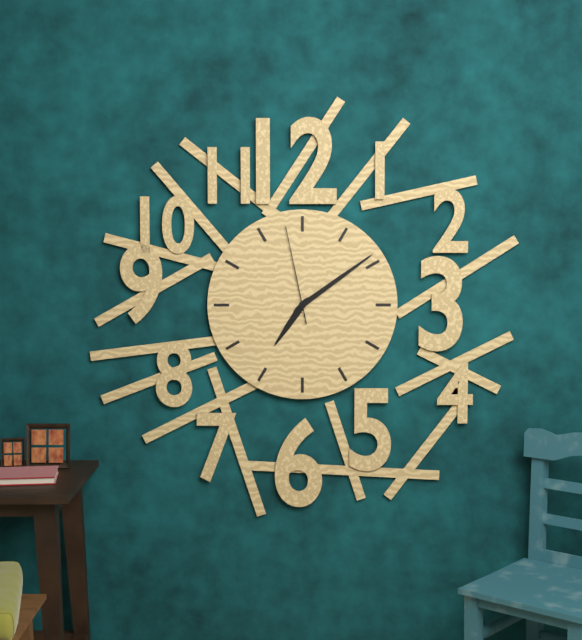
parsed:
**7:09:58**
